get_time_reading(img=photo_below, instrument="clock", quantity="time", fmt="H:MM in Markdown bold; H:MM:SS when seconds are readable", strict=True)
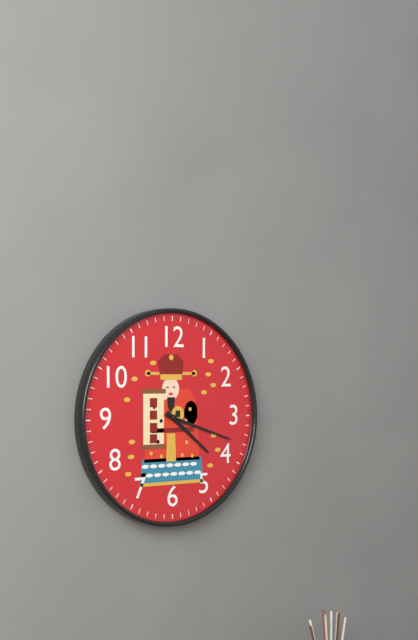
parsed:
**4:18**
